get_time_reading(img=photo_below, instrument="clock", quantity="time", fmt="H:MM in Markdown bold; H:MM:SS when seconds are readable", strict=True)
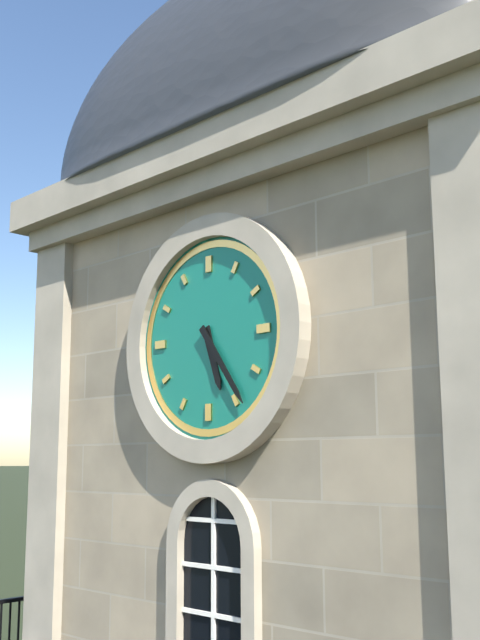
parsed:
**5:24**
